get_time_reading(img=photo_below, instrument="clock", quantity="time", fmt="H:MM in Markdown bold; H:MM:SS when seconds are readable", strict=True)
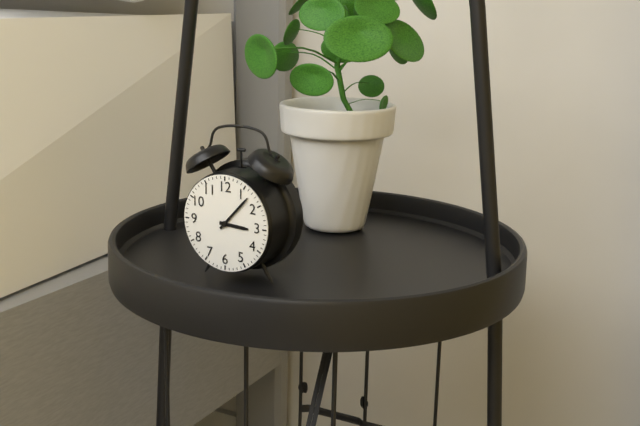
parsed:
**3:07**
